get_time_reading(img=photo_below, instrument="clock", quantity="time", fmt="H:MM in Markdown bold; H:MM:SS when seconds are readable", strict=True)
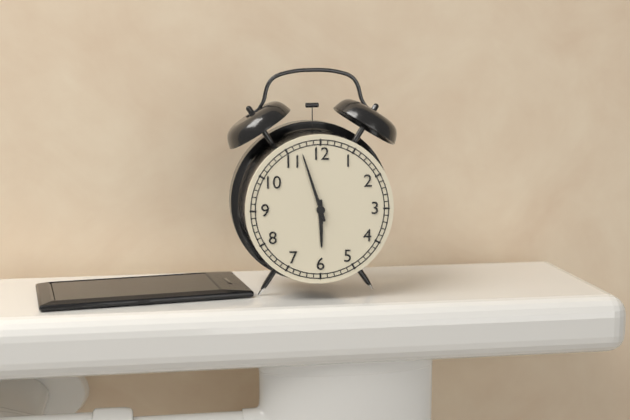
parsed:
**5:57**
